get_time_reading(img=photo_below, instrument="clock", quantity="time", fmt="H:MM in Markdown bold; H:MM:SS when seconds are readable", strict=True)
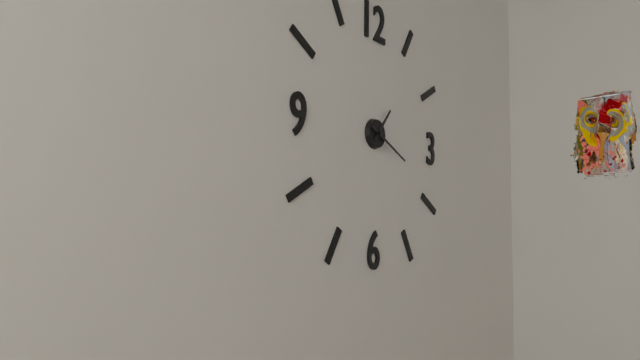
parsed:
**1:19**
